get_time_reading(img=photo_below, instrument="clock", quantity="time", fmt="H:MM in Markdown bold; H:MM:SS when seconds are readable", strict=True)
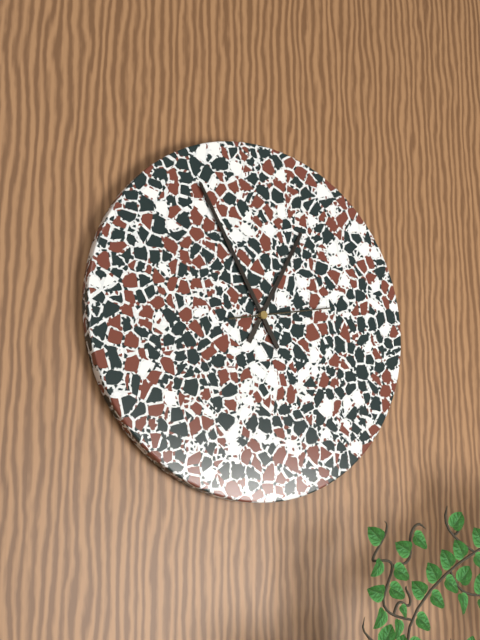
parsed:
**12:55:13**
